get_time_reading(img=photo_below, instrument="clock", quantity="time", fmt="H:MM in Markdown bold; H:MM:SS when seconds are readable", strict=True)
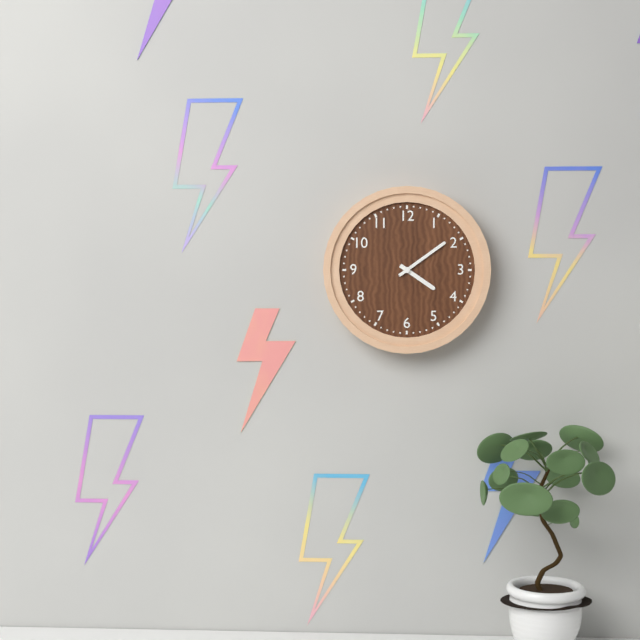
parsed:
**4:09**
